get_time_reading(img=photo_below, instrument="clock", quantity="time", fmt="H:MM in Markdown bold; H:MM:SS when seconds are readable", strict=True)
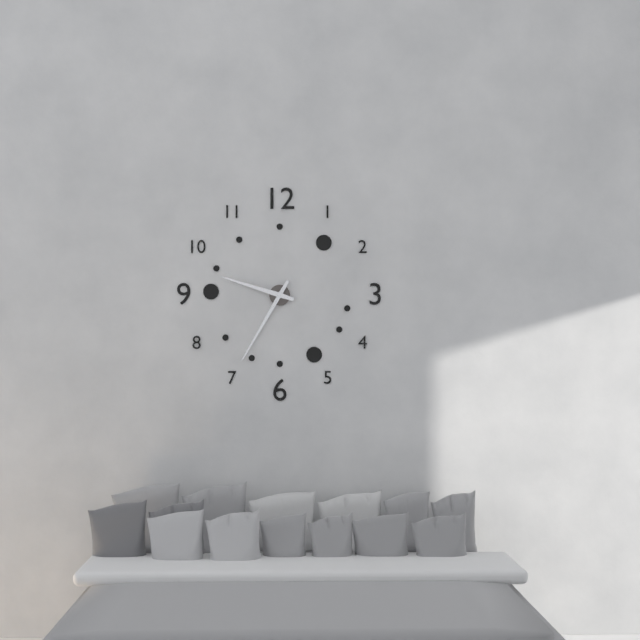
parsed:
**9:35**
